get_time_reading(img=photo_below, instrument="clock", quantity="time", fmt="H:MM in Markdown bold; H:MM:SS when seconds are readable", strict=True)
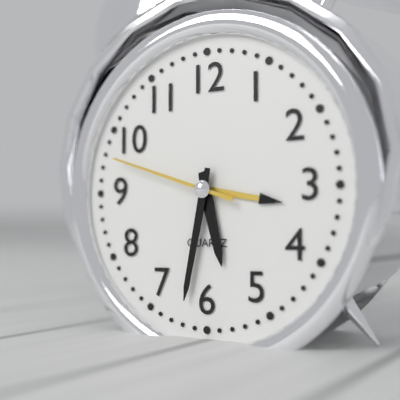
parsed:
**5:32:48**
